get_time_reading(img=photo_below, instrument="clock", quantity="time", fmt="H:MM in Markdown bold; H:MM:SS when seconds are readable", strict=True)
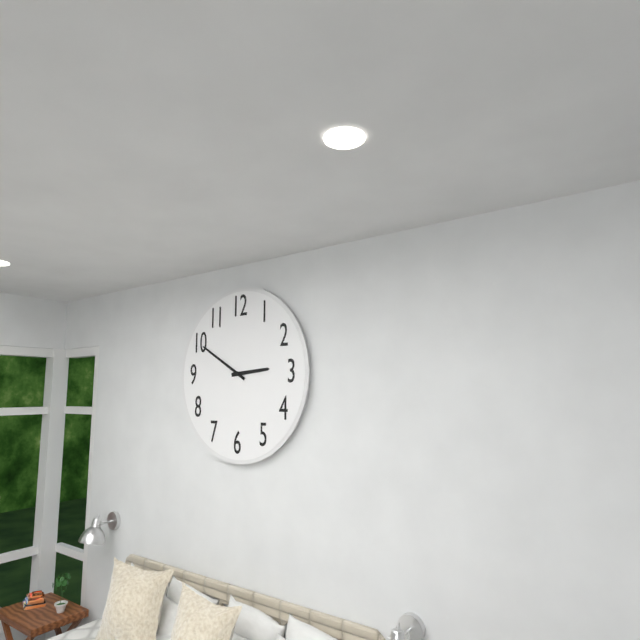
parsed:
**2:50**
